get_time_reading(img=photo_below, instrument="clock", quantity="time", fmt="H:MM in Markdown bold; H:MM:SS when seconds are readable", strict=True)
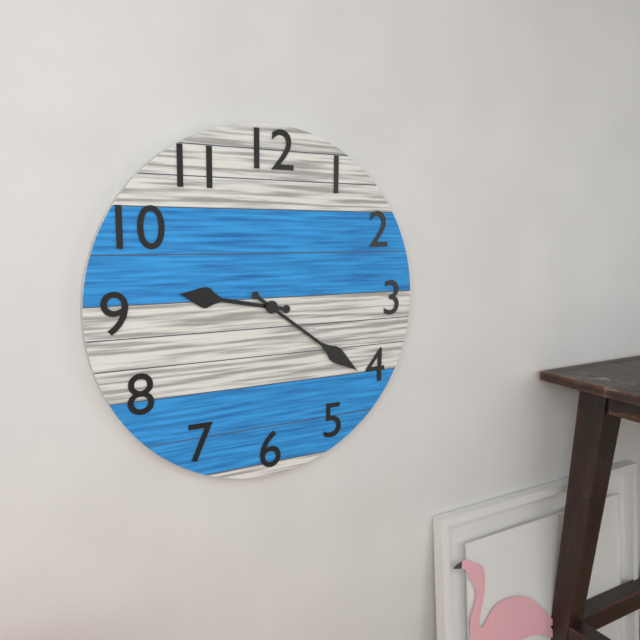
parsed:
**9:21**
